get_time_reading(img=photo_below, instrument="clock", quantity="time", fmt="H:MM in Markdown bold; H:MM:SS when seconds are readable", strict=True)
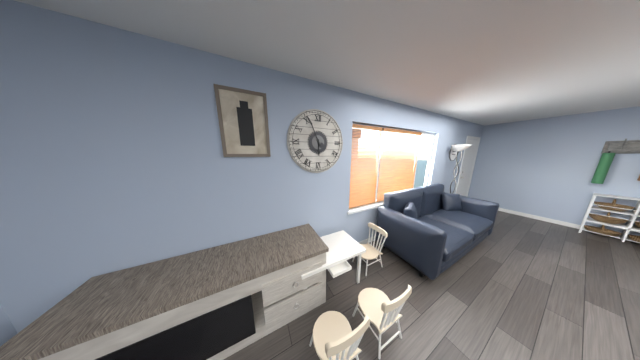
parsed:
**5:56**
